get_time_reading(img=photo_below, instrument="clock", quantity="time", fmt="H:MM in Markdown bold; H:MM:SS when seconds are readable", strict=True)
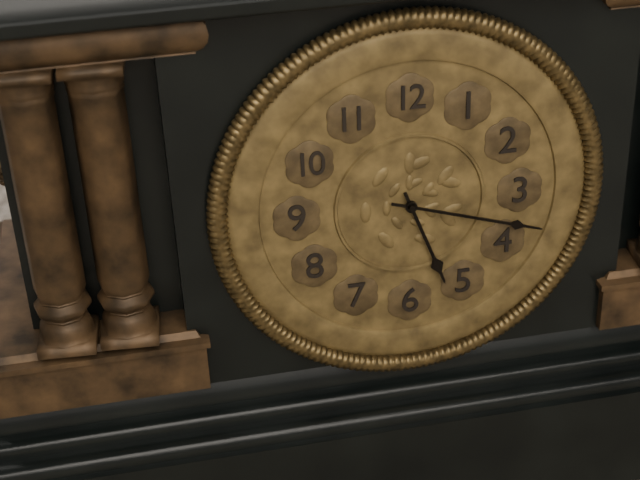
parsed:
**5:18**
